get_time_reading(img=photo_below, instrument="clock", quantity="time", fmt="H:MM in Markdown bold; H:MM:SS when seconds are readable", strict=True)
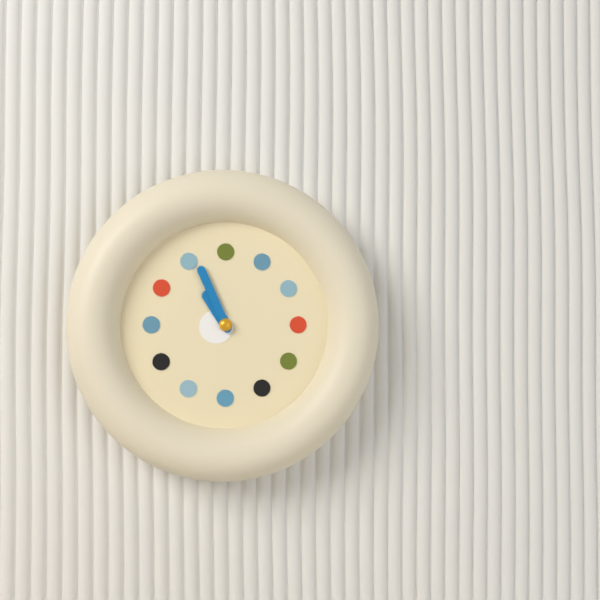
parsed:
**10:56**
